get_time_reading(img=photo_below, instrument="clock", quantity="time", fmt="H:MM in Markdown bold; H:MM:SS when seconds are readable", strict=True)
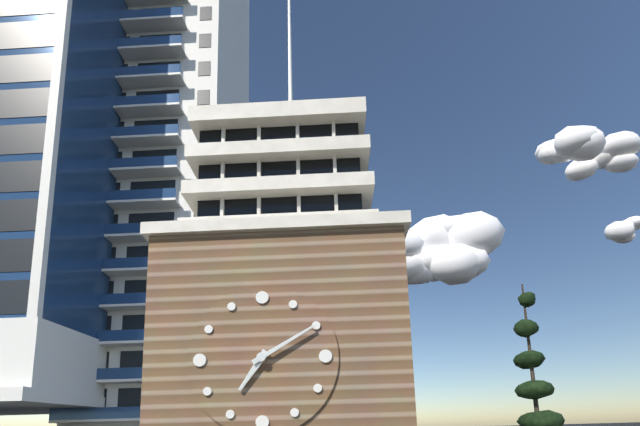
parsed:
**7:10**
